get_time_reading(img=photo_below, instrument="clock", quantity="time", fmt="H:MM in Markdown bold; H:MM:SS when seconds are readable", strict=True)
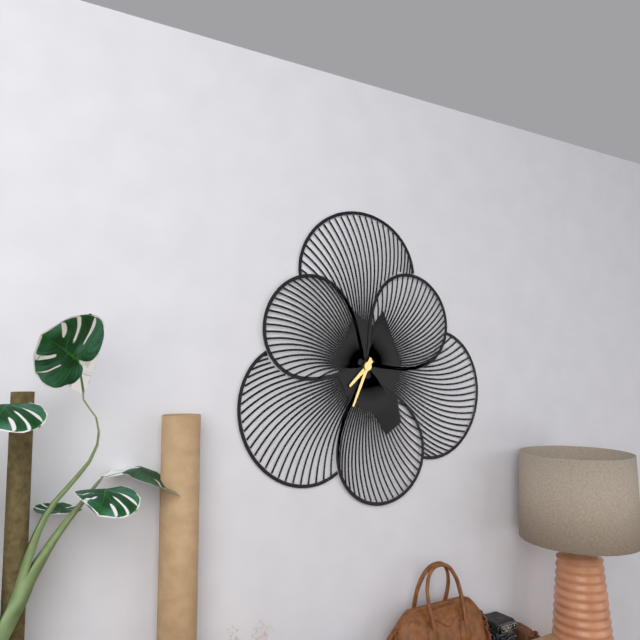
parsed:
**7:34**
